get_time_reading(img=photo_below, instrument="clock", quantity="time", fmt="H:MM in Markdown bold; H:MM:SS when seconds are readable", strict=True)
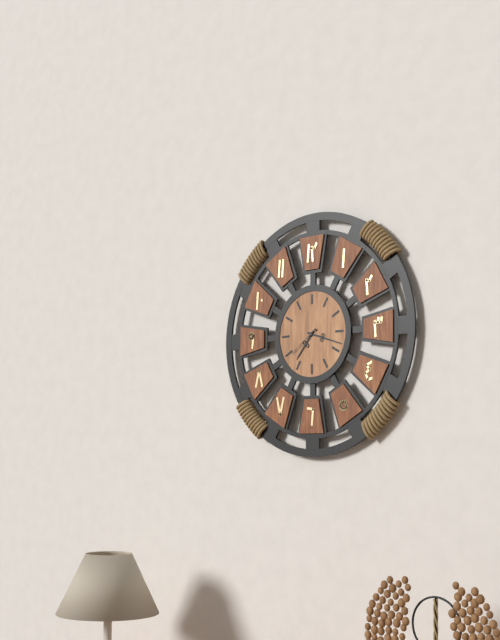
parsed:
**7:18**
